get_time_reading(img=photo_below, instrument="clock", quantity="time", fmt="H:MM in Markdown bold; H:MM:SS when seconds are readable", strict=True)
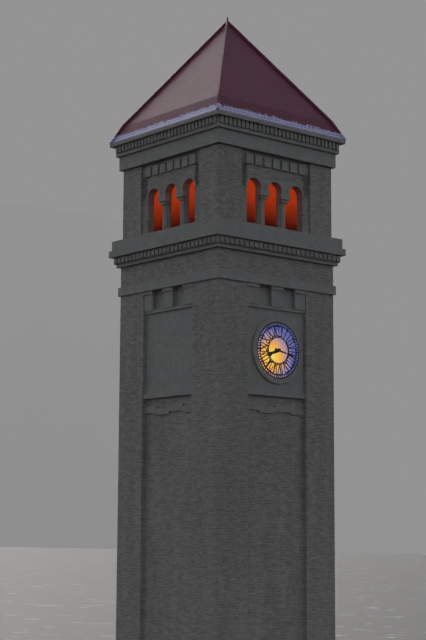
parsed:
**8:17**
